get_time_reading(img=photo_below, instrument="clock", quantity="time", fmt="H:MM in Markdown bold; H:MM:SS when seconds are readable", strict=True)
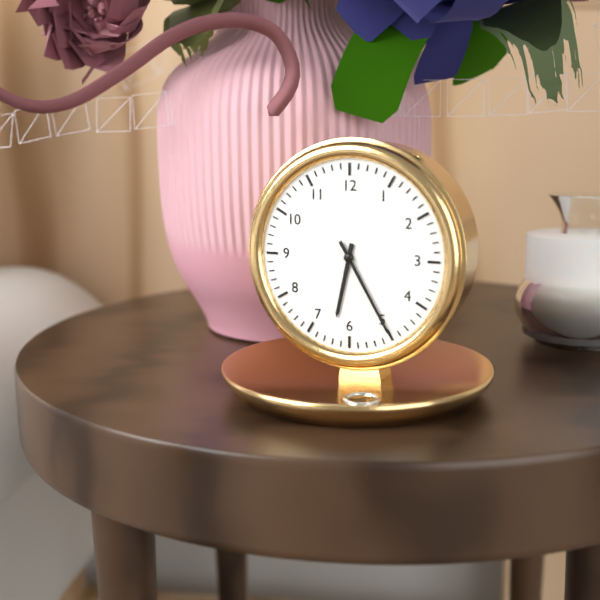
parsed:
**6:25**
